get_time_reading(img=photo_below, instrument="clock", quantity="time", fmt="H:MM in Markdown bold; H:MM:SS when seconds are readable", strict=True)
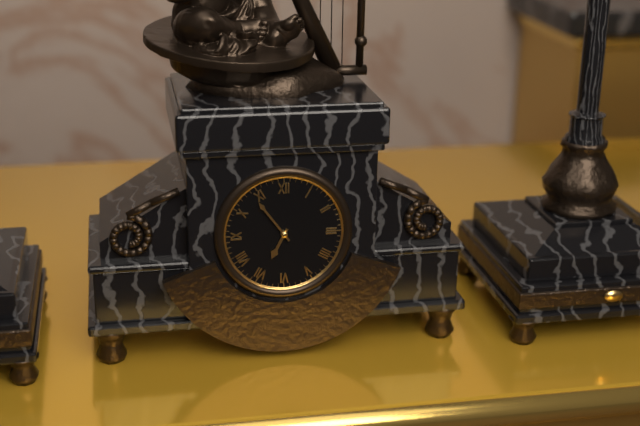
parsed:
**6:54**
